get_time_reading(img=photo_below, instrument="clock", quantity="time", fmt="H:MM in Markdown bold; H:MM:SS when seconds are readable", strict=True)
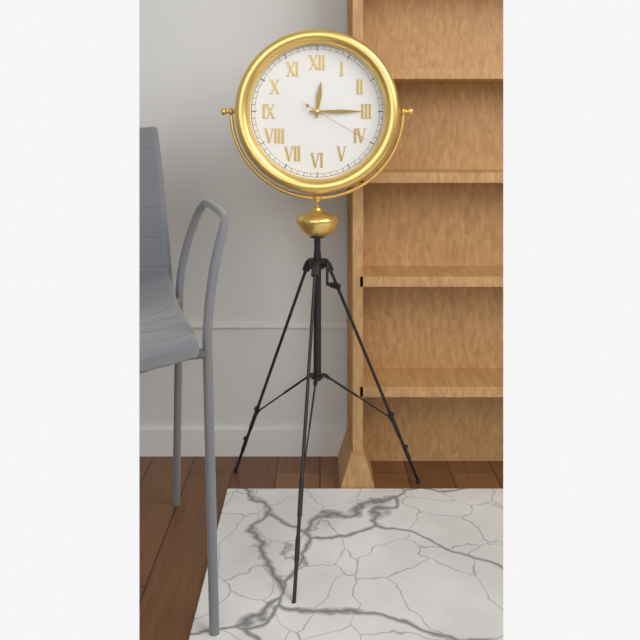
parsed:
**12:15:20**
